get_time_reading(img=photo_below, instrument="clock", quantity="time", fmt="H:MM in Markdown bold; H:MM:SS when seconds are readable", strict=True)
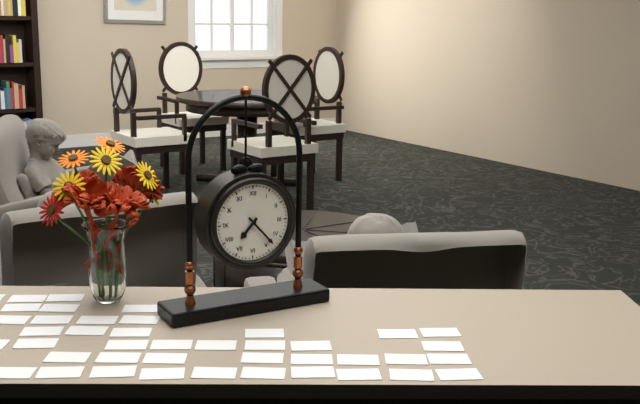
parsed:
**7:23**
